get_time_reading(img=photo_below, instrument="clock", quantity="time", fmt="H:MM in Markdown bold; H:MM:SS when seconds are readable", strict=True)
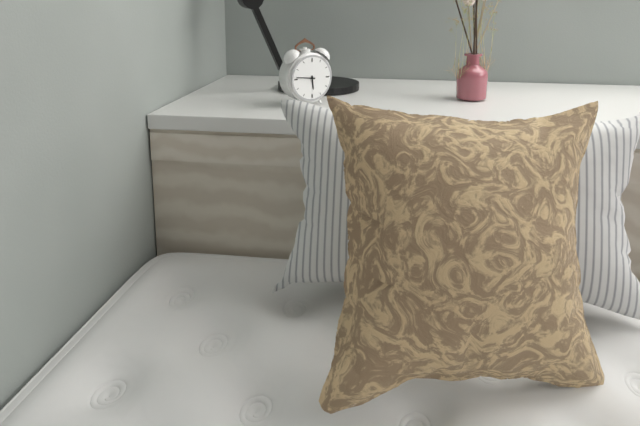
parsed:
**5:46**
